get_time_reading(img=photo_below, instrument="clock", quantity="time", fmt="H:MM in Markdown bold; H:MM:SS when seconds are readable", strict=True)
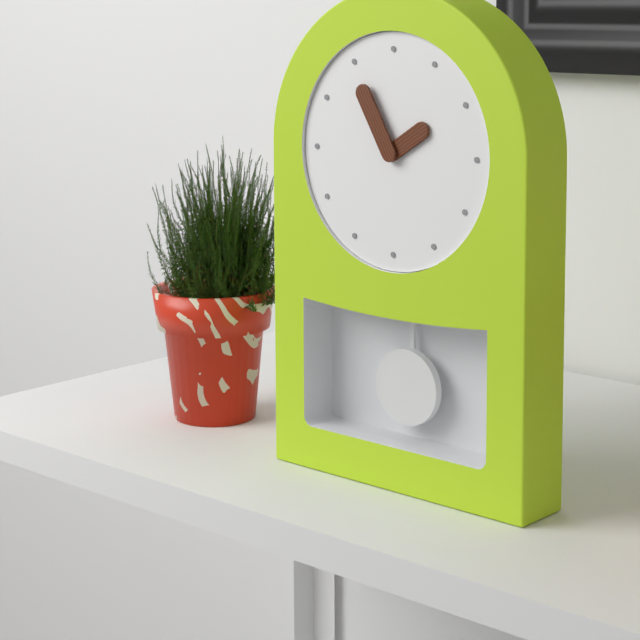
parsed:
**1:55**
